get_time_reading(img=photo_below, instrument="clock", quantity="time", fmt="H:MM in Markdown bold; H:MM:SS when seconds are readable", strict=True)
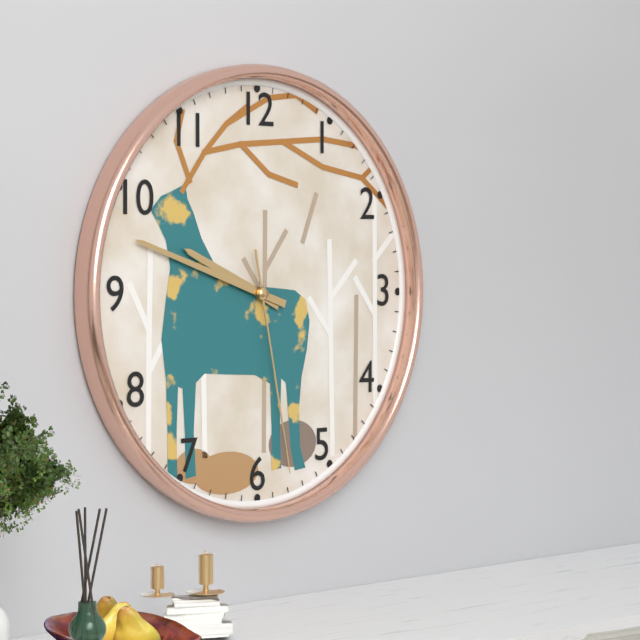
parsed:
**9:48:28**
